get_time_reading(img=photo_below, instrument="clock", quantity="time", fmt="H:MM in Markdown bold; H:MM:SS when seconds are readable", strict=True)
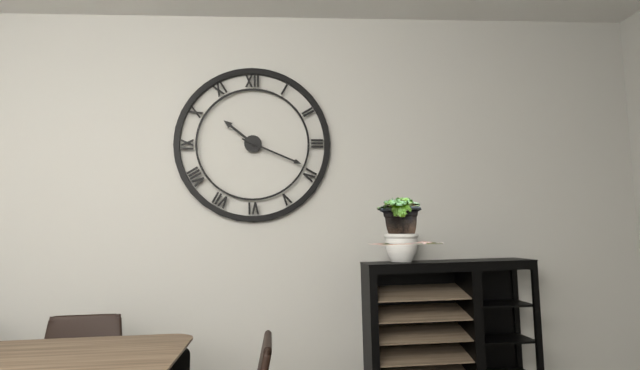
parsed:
**10:19**
